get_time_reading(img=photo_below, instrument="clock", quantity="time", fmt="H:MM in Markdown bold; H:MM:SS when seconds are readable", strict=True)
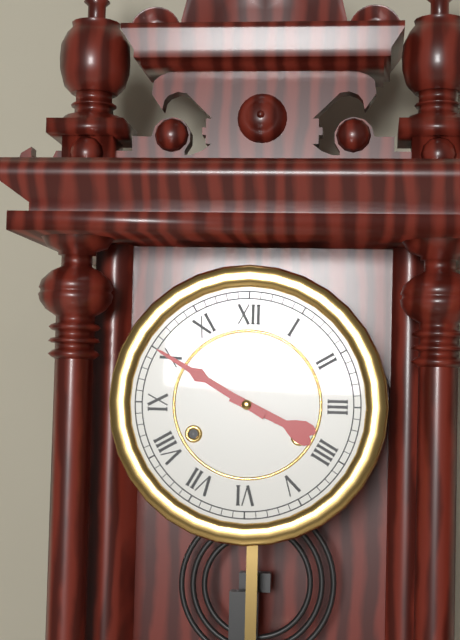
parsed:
**3:50**
